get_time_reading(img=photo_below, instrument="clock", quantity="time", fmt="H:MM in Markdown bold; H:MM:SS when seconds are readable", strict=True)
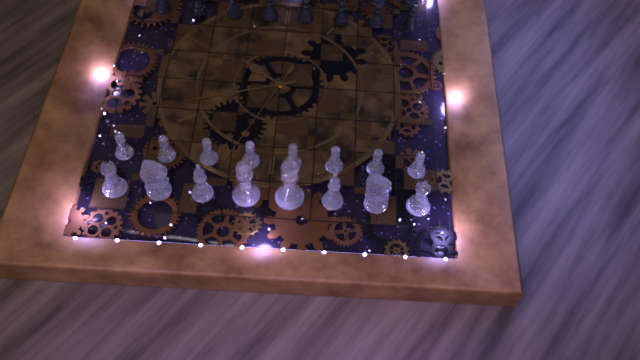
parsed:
**4:12:04**
